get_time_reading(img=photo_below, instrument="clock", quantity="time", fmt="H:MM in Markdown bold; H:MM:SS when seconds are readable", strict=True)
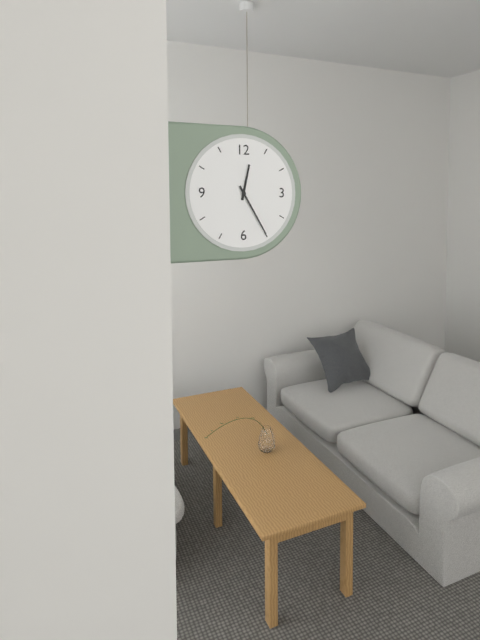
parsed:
**12:25**
